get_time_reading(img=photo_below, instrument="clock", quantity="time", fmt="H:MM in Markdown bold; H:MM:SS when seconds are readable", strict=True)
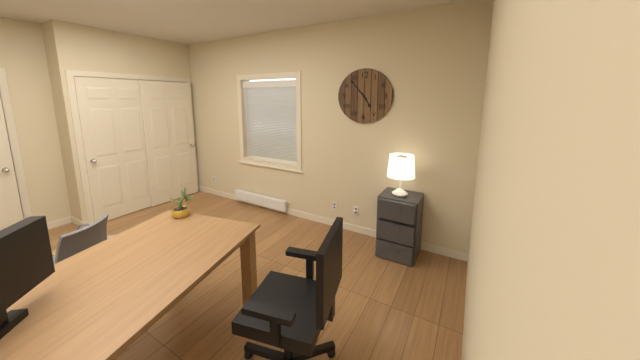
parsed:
**4:53**
